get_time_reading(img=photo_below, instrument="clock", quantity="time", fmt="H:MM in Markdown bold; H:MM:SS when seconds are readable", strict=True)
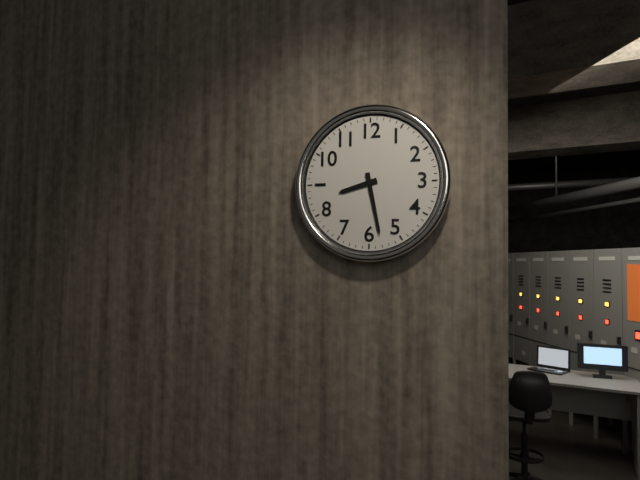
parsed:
**8:28**
